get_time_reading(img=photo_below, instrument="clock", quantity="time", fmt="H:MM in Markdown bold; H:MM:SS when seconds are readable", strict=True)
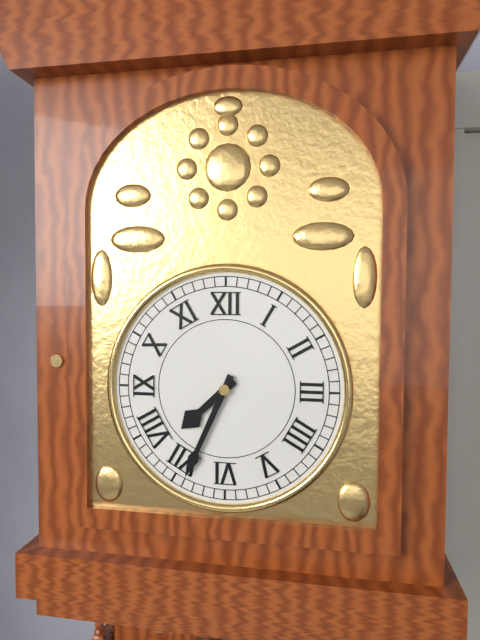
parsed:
**7:34**
